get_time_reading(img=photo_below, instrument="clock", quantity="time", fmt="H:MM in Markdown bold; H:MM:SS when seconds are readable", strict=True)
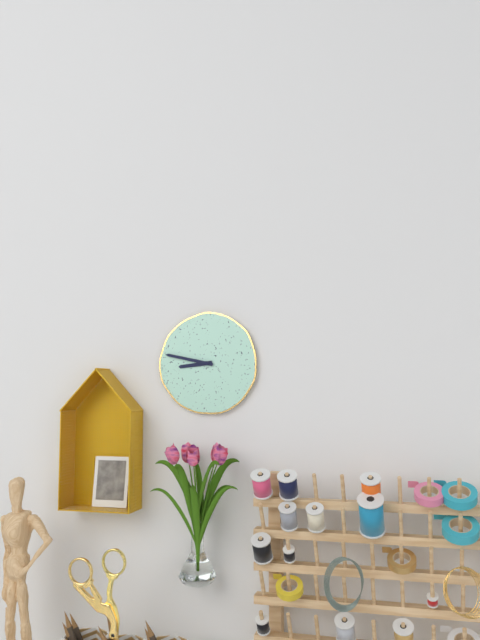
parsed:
**8:47**
